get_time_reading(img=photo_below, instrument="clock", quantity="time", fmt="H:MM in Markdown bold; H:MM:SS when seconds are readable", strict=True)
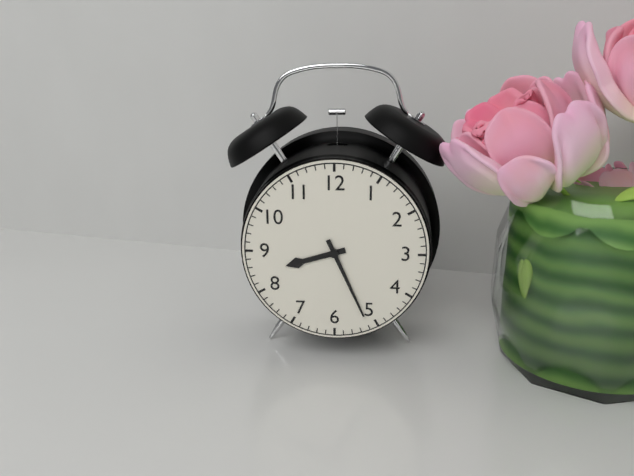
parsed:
**8:26**
